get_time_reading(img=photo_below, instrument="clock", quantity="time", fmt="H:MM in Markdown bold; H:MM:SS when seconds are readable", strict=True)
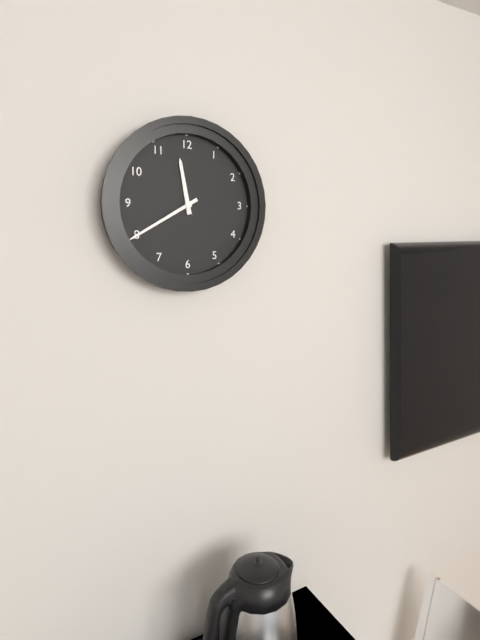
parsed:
**11:40**
